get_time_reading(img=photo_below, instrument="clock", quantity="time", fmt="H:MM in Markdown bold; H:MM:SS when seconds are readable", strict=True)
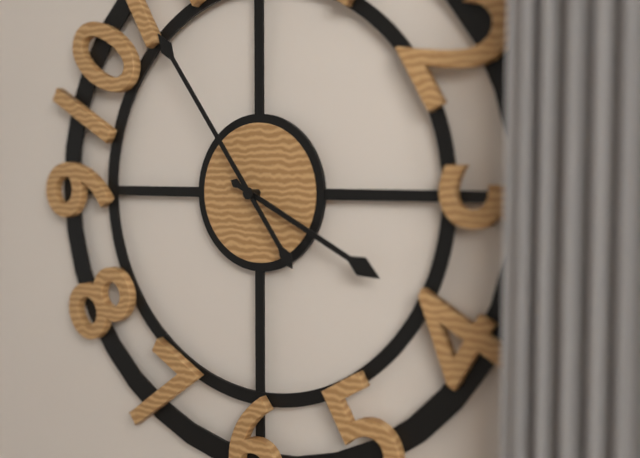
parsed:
**3:54**
